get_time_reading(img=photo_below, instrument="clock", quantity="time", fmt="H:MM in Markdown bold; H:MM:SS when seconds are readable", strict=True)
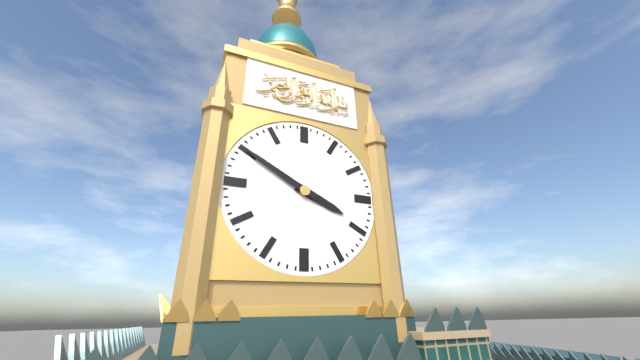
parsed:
**3:50**
